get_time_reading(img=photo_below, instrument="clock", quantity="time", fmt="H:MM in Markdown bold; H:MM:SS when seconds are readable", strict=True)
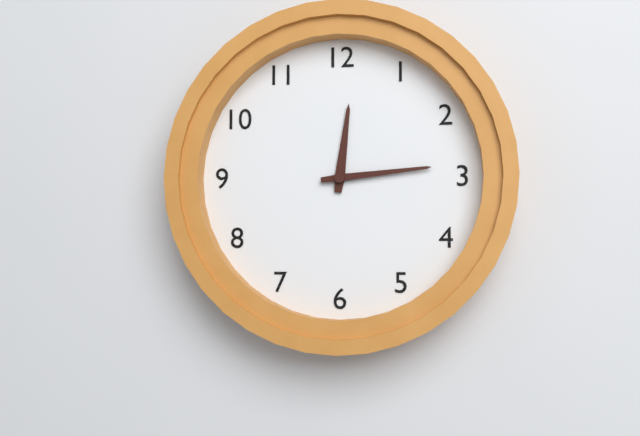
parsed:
**12:14**
